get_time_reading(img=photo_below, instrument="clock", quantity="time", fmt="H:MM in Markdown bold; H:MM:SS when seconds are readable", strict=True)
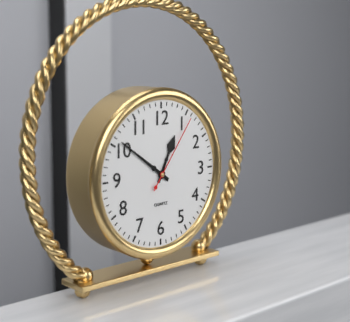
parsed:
**12:51:06**
